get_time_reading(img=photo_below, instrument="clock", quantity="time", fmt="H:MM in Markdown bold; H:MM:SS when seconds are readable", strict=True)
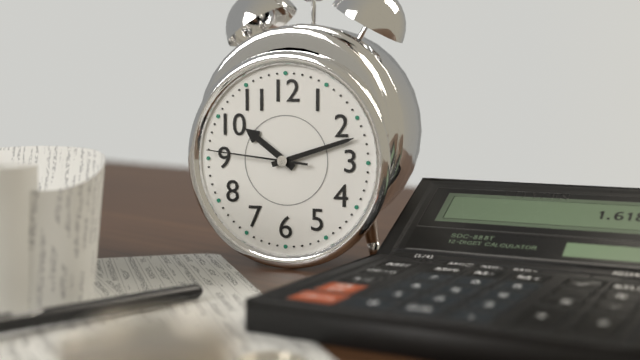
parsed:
**10:12:46**
